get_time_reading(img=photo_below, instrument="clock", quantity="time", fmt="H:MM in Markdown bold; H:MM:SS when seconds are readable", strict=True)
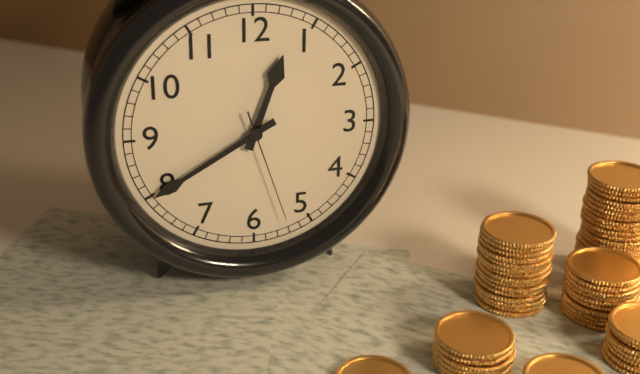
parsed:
**12:40:27**
